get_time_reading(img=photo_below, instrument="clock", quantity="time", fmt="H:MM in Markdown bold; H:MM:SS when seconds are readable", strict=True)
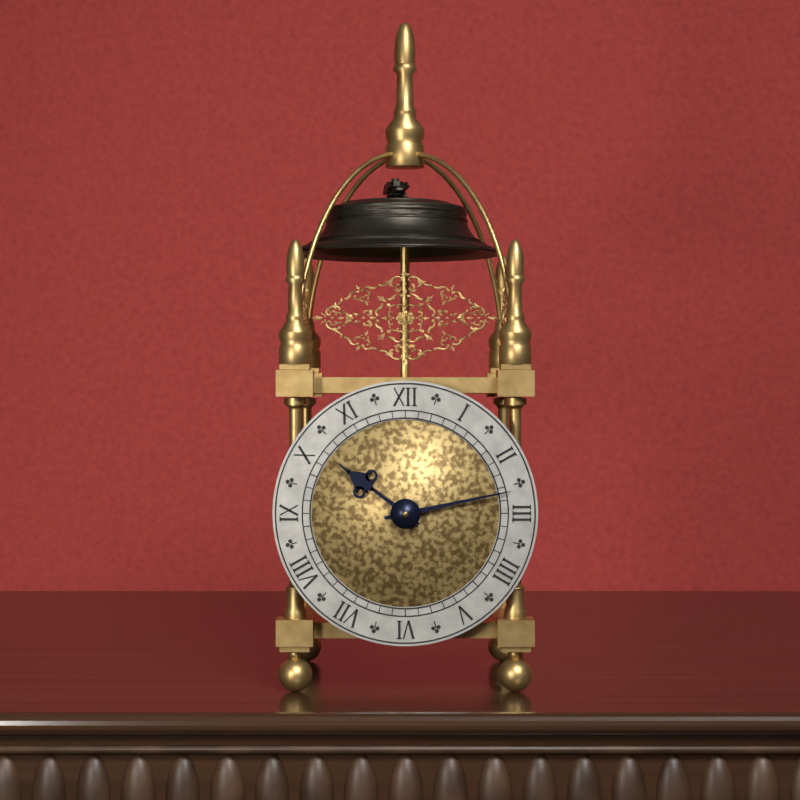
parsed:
**10:13**
